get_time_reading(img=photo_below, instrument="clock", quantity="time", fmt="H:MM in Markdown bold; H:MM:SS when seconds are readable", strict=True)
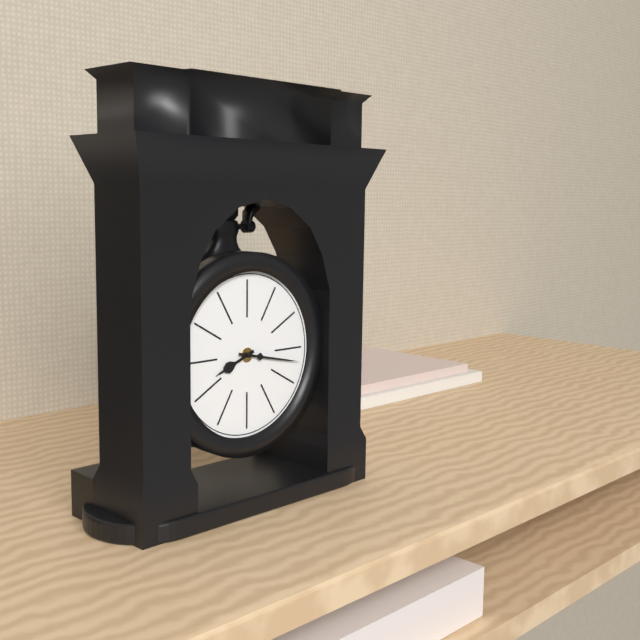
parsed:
**8:17**
